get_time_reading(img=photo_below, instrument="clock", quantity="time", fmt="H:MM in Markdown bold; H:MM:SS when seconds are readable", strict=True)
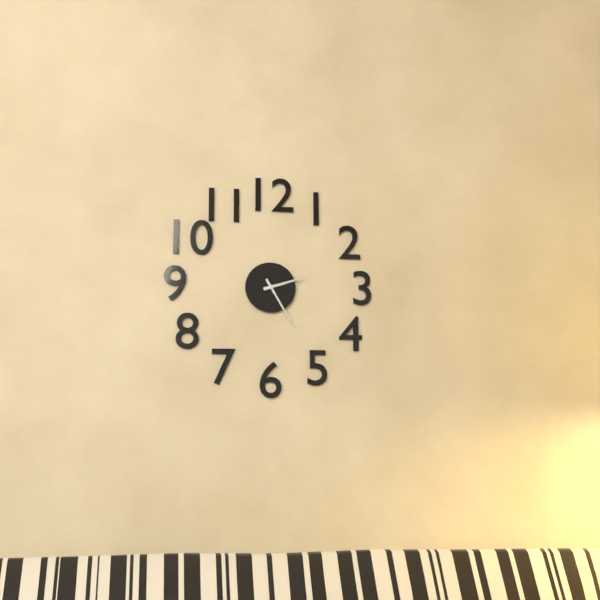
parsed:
**2:25**
